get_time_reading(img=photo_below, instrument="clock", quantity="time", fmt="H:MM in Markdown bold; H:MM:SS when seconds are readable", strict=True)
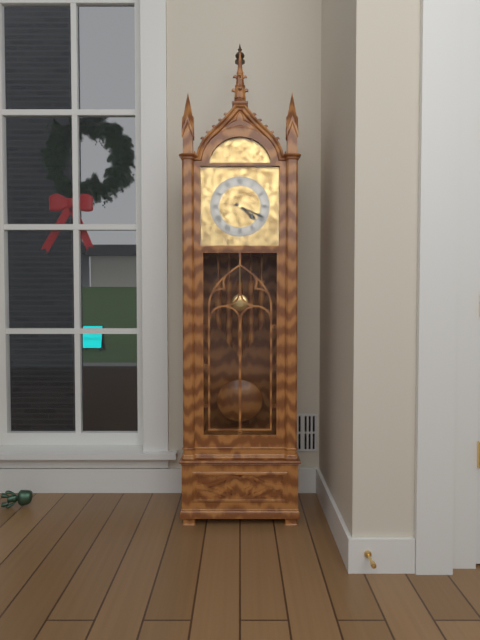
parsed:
**4:19**
